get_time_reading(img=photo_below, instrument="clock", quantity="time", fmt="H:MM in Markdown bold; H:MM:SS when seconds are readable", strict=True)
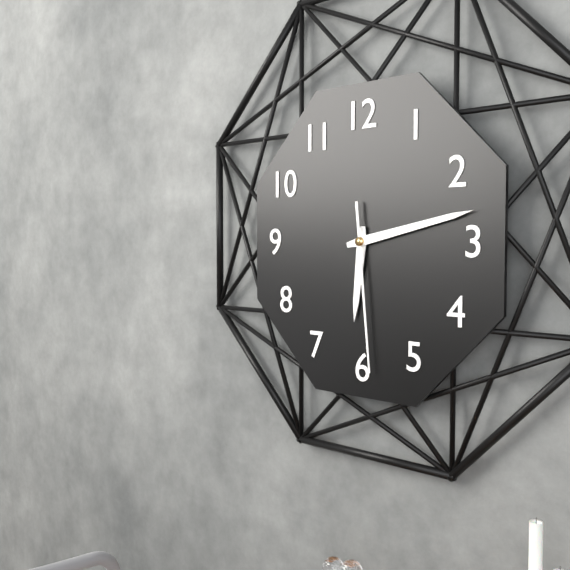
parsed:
**6:13:29**
